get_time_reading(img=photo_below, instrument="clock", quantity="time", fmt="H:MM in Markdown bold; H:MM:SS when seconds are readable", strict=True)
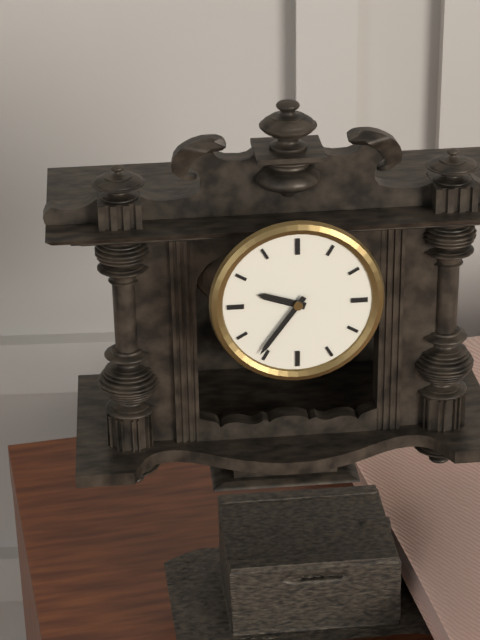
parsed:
**9:36**
